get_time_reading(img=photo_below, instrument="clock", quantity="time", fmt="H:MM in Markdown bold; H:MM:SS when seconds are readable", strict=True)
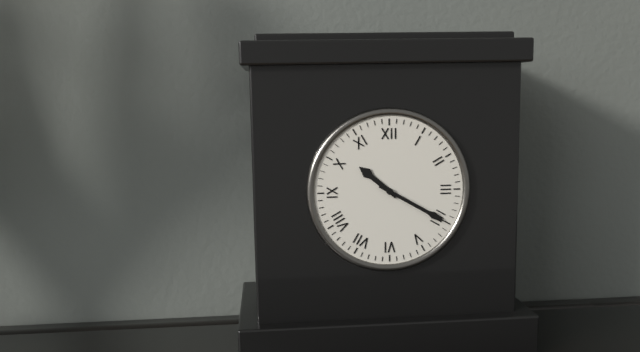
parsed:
**10:20**
